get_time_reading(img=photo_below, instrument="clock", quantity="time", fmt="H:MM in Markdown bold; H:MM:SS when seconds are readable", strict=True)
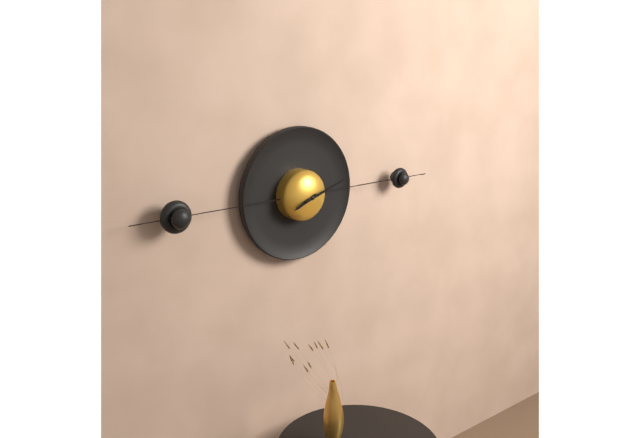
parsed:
**8:12**
